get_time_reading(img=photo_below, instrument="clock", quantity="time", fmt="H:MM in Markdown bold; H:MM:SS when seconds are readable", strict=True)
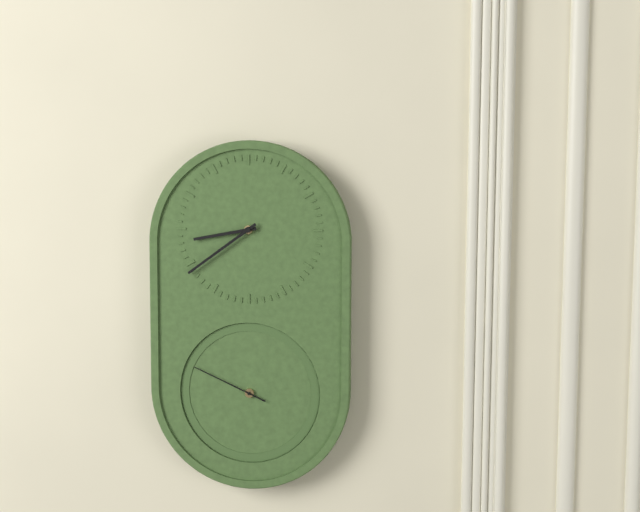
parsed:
**8:39:49**
